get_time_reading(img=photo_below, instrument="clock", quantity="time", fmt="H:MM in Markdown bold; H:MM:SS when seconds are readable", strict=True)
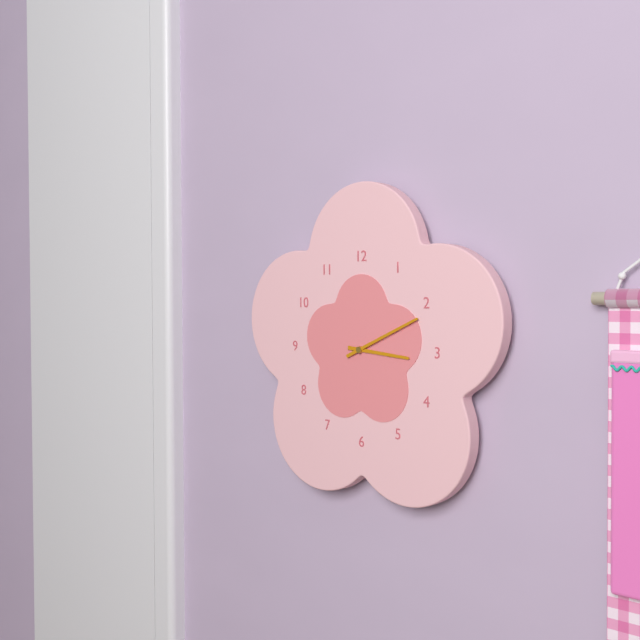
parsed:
**3:11**
